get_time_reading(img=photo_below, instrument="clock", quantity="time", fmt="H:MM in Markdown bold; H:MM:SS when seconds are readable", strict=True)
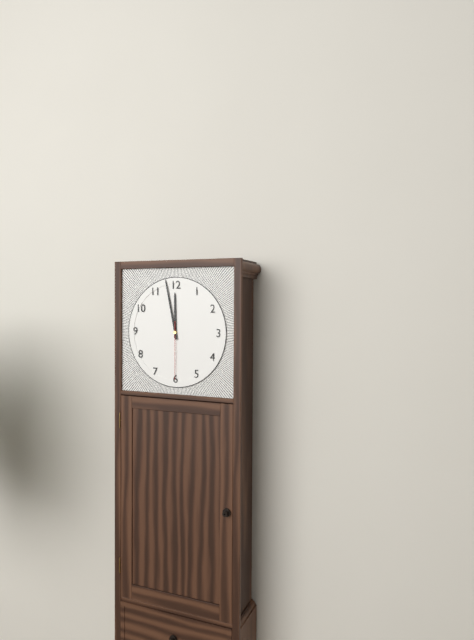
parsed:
**11:58:30**
